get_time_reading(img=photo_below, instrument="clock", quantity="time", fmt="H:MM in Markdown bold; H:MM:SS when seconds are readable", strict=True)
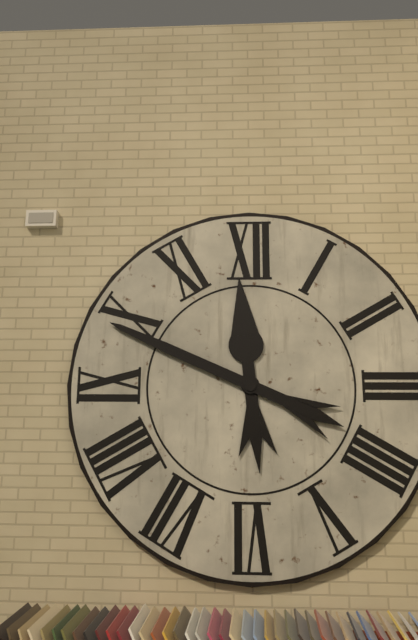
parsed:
**11:49**
